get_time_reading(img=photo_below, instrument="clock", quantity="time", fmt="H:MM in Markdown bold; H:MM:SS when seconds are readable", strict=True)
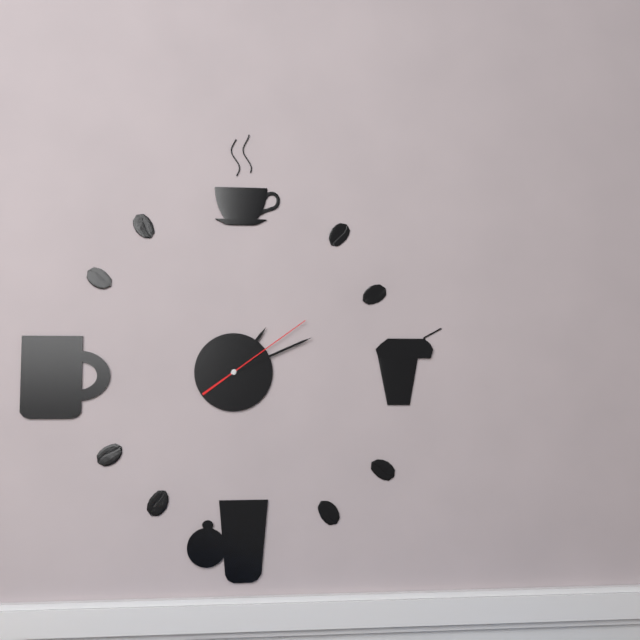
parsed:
**1:11:09**
